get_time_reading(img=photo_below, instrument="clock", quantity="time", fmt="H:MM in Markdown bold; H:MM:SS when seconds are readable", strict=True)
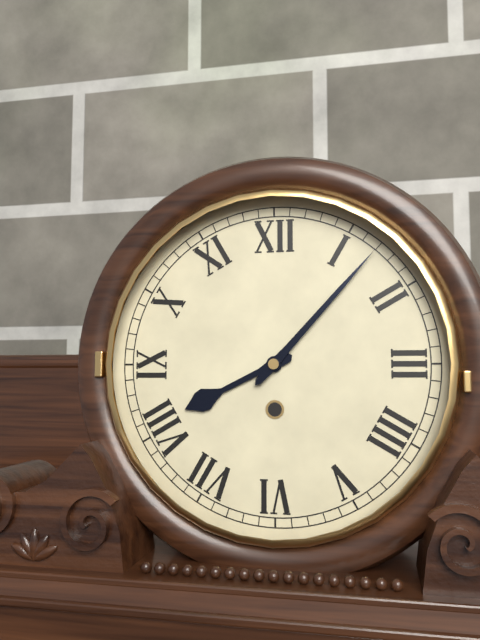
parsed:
**8:07**
